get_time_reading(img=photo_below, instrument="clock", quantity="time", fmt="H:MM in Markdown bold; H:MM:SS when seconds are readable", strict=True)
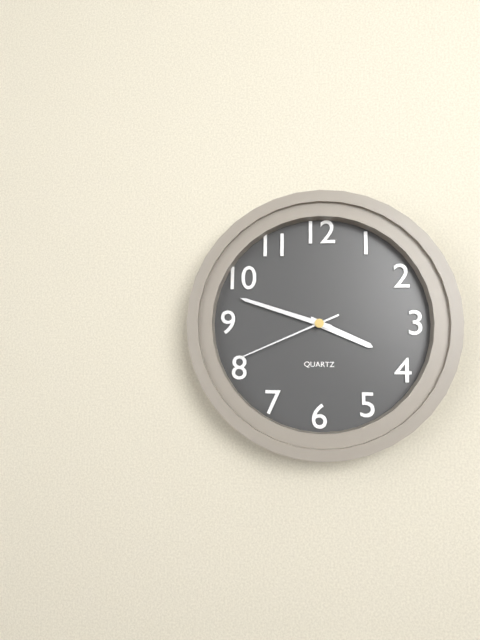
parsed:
**3:48:41**
